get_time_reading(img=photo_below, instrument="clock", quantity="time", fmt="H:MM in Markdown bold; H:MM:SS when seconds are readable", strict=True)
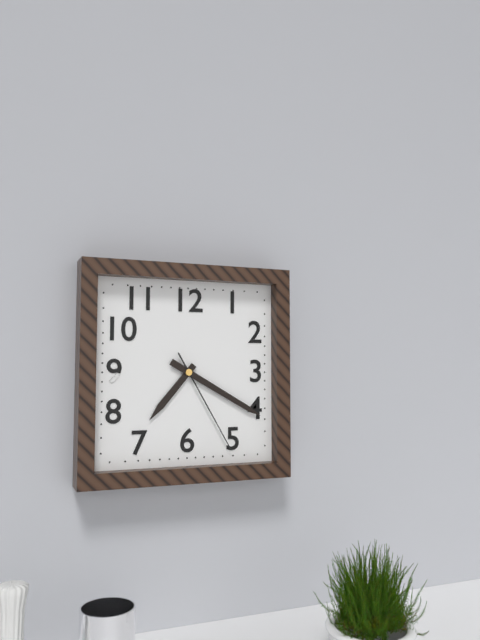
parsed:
**7:20:25**
